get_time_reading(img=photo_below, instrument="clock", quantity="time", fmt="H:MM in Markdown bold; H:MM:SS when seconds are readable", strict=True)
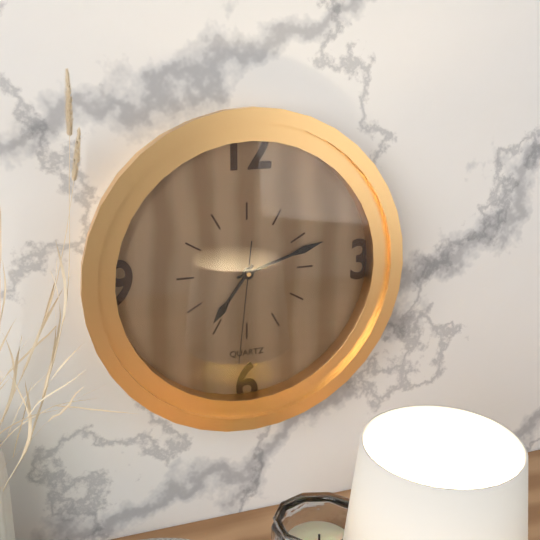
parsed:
**7:12:31**
